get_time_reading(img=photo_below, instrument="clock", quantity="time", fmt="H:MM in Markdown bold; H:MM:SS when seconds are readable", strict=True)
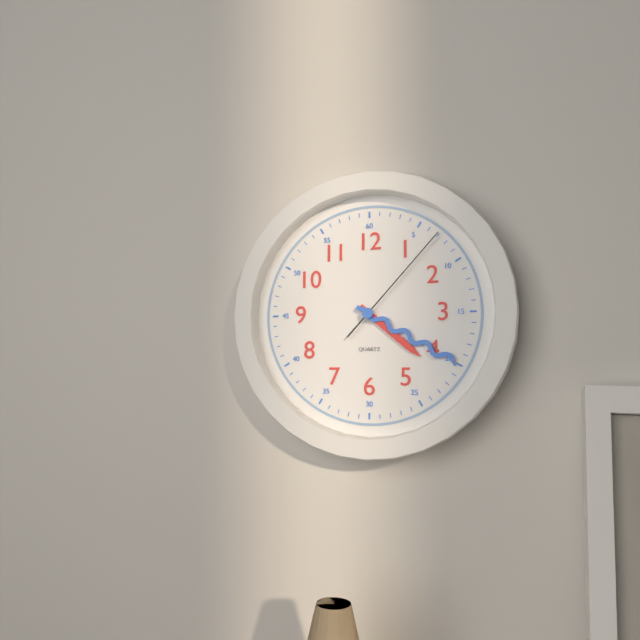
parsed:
**4:20:07**
